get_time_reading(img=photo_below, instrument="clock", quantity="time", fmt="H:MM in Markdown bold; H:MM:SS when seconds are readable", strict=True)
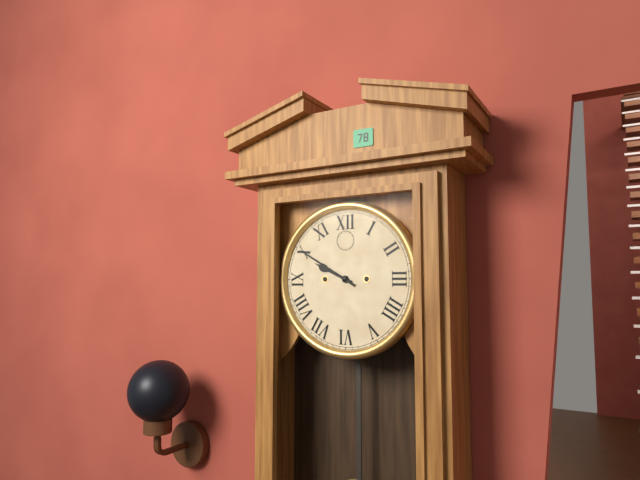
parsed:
**9:50**
